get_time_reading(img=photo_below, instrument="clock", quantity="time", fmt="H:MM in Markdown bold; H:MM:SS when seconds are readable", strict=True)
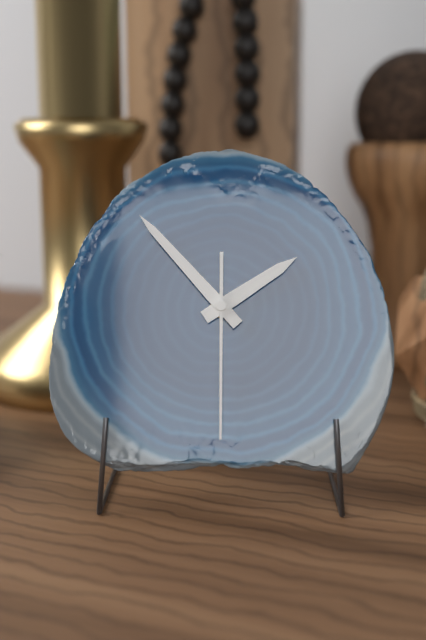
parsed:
**1:53:30**
